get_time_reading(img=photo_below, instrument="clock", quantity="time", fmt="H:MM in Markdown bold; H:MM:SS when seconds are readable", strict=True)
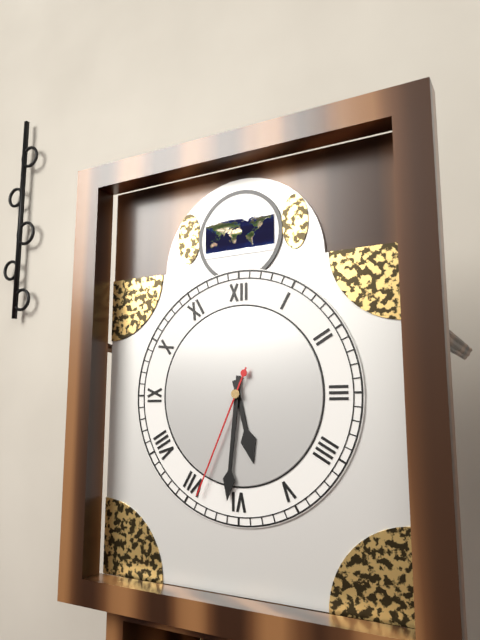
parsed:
**5:31:34**
